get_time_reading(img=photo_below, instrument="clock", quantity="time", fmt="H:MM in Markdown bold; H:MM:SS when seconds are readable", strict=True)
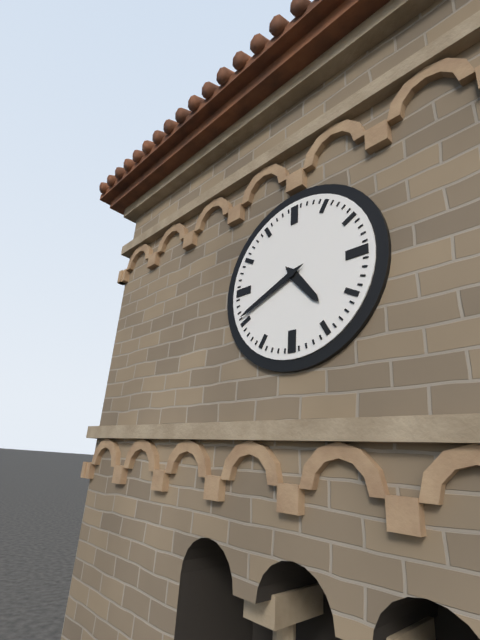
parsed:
**4:41**
